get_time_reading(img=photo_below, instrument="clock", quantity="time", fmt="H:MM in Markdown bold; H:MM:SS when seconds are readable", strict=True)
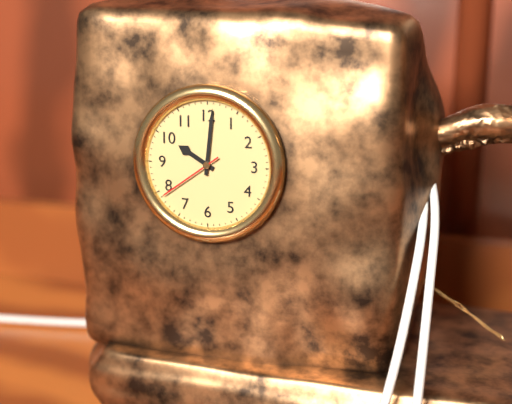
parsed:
**10:01:39**
